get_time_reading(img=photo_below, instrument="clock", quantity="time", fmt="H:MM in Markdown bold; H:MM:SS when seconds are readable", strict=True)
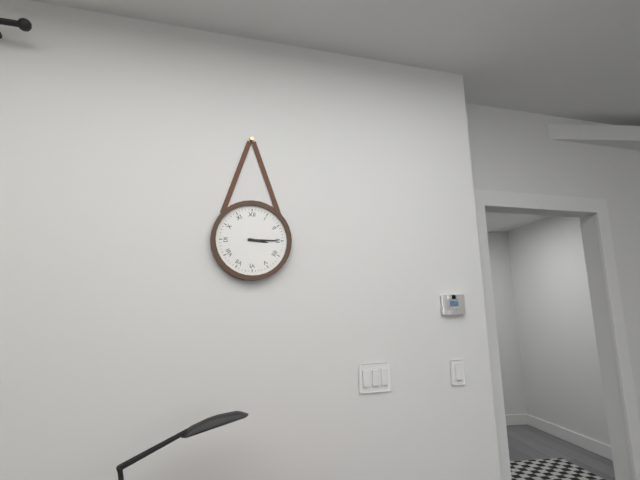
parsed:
**3:15**
